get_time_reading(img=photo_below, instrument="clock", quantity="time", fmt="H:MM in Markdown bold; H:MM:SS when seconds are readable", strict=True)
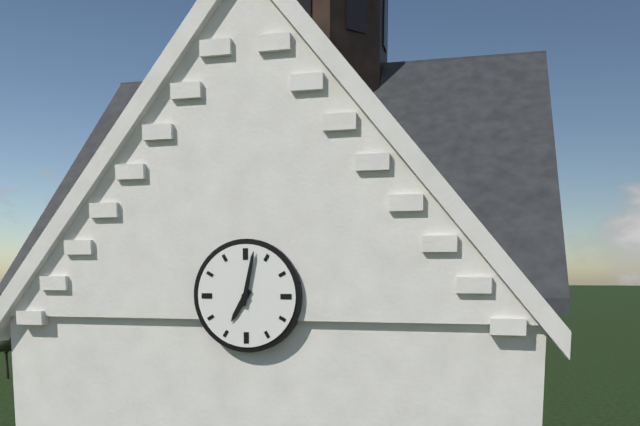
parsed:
**7:02**
